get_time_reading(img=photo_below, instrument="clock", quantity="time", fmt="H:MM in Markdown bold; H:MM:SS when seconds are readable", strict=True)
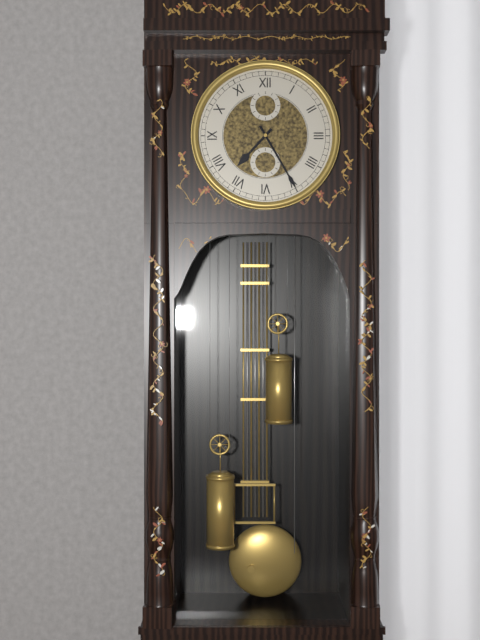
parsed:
**7:25**
